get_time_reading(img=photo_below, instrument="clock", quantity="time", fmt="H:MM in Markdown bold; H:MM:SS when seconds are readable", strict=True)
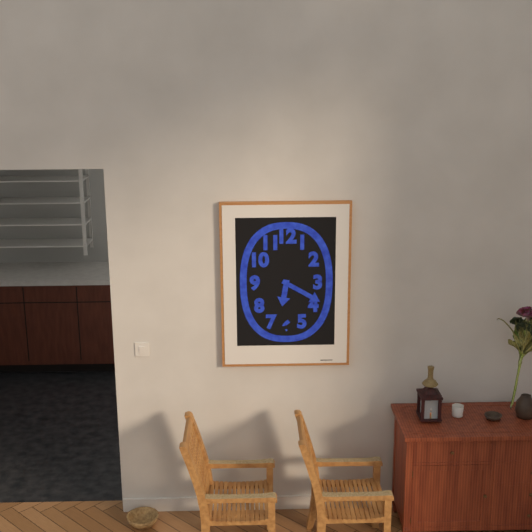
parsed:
**6:20**
